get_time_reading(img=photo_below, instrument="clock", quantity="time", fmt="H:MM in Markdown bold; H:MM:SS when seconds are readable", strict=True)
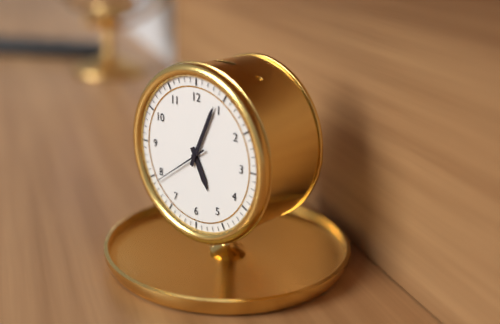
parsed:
**5:04:39**
